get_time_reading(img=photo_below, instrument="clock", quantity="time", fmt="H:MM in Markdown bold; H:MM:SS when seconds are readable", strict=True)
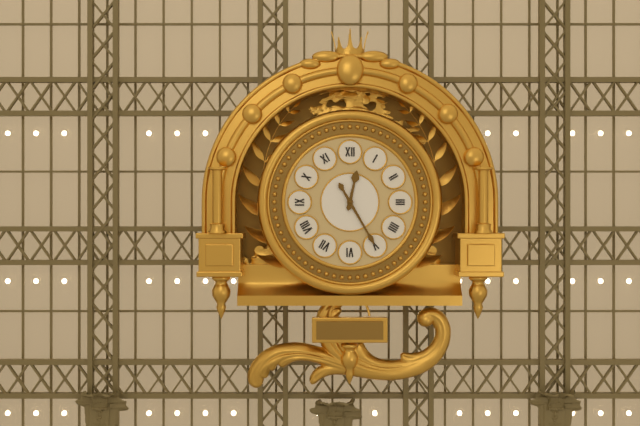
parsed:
**12:25**
